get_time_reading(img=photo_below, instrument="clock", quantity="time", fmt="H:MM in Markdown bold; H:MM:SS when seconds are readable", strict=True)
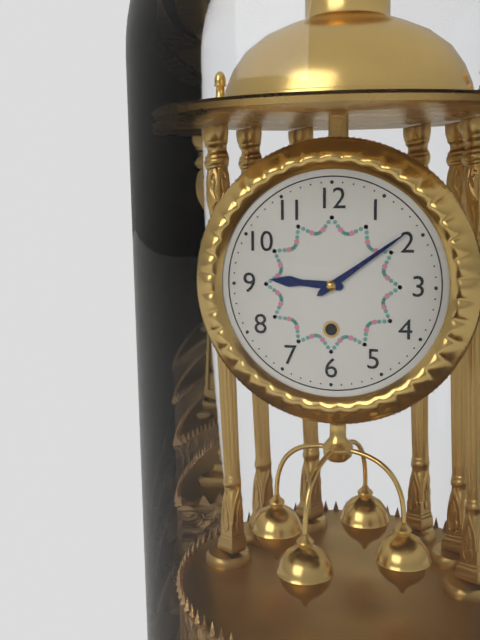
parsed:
**9:09**
